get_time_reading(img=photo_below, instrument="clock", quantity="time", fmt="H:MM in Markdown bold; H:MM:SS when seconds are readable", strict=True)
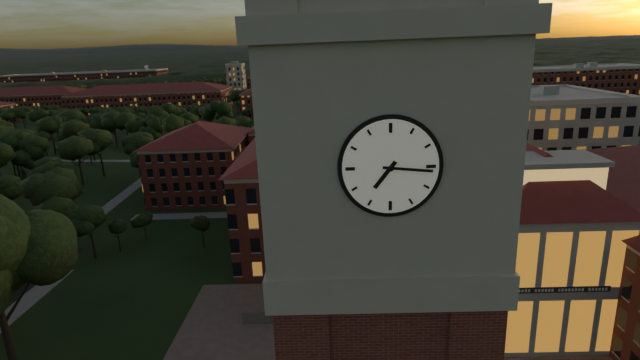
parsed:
**7:16**
